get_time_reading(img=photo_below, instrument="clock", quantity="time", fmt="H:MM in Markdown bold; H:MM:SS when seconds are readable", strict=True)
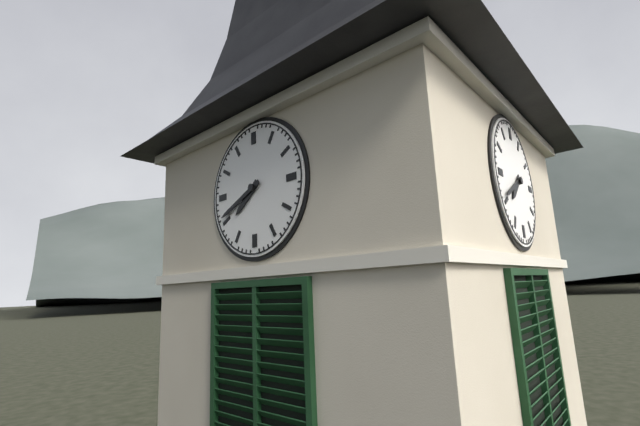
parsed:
**7:41**
